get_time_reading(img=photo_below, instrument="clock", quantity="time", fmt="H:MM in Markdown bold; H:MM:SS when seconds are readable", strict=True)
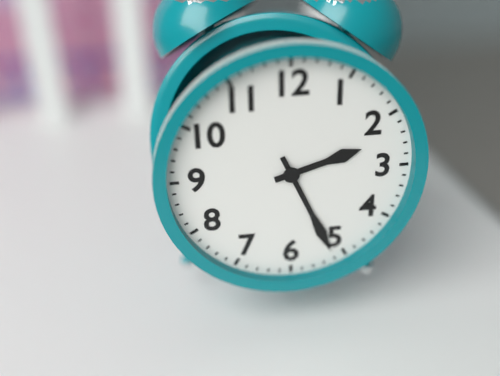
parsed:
**2:26**
